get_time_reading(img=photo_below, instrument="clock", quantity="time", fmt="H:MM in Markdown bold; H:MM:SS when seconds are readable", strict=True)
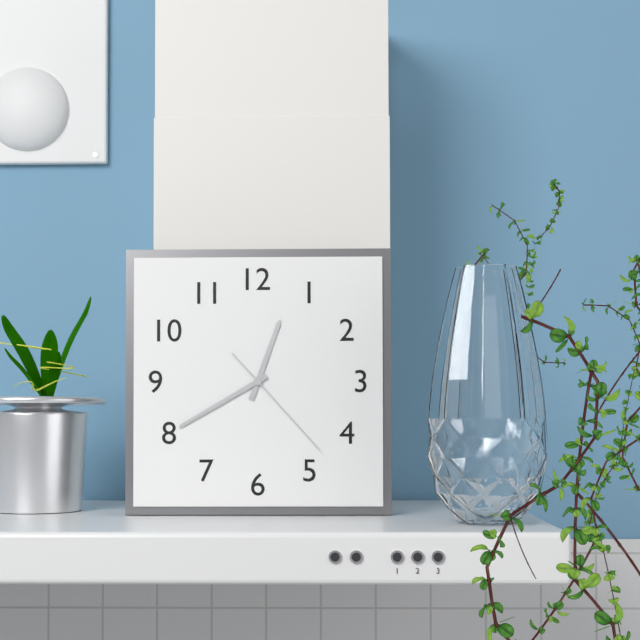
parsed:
**12:40:23**
